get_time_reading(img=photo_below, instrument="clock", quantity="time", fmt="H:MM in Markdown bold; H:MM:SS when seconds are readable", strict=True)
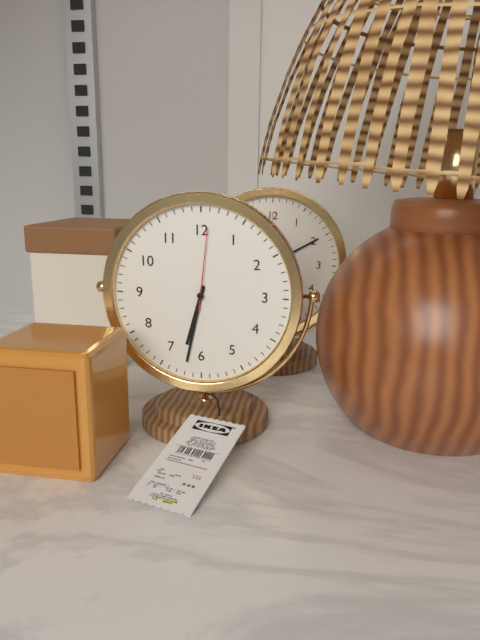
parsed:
**6:32:01**
